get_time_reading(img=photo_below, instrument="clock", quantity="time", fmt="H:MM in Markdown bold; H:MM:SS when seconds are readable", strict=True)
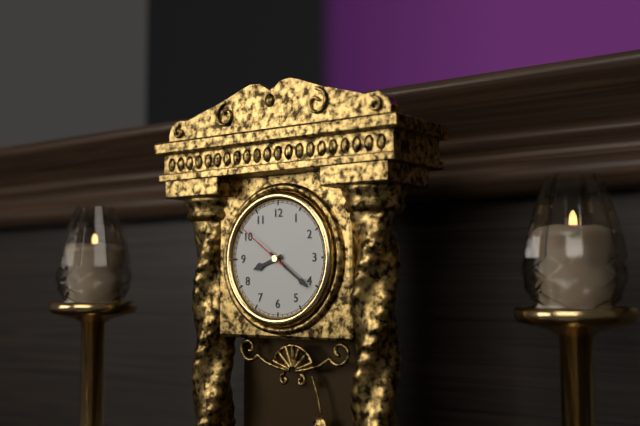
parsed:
**8:21:51**
